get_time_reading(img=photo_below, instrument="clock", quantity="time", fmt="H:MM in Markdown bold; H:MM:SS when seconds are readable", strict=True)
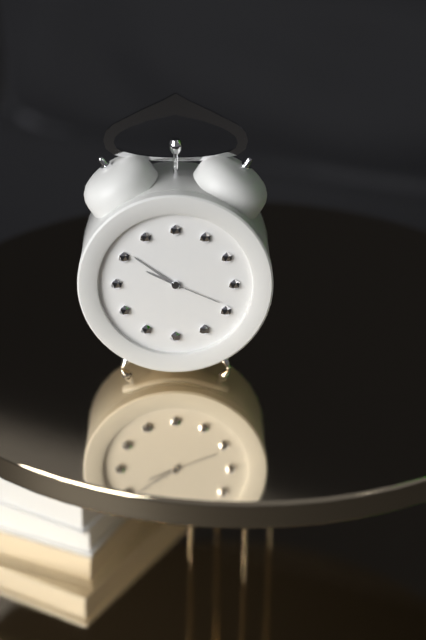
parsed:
**9:51:19**
